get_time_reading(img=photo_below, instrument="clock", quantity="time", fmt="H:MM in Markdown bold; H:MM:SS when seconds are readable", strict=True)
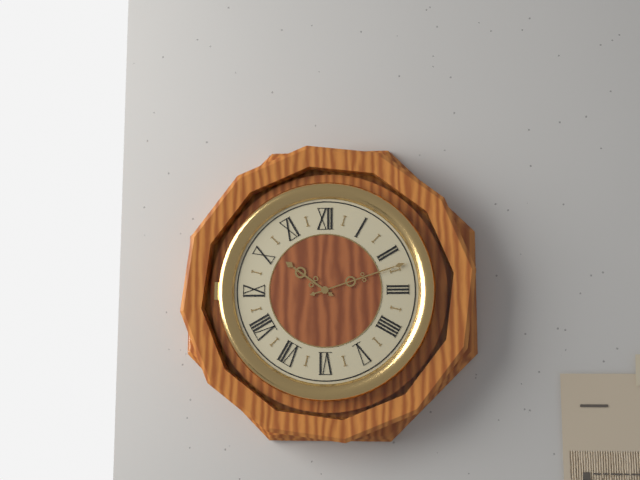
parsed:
**10:12**
